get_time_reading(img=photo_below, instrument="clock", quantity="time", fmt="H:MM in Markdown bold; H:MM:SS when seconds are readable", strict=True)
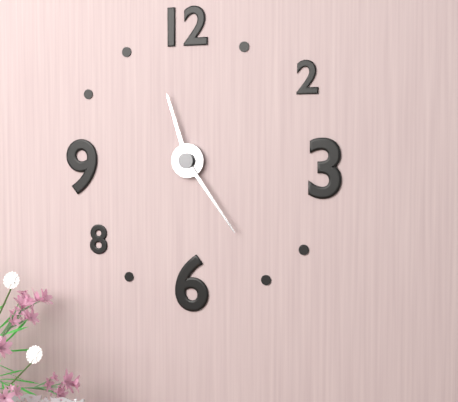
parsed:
**11:24**
